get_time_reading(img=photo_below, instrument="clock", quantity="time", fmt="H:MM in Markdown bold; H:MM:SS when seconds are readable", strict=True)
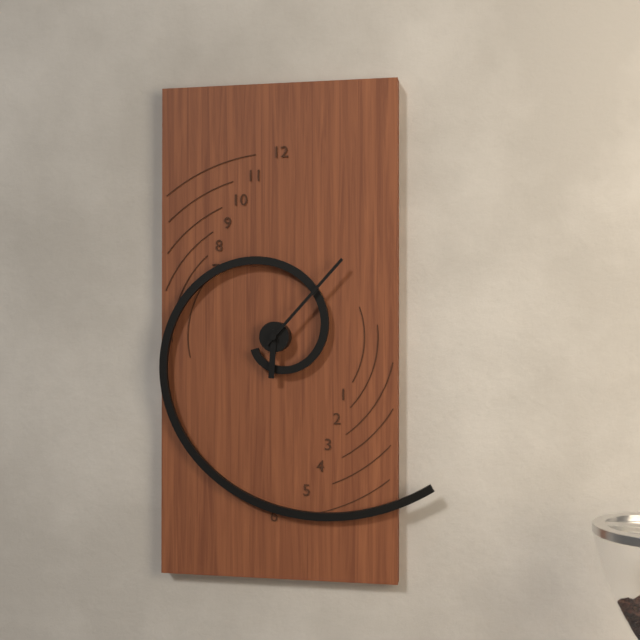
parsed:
**6:07**
